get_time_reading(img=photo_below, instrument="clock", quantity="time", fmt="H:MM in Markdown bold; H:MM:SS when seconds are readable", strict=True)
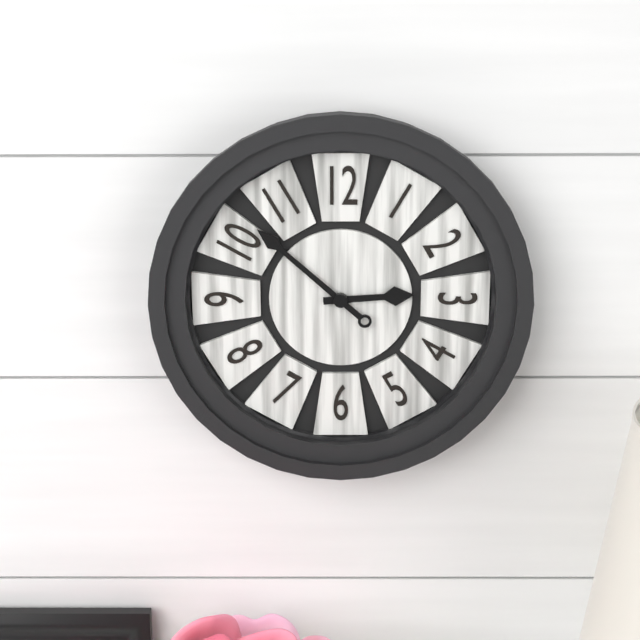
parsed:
**2:52**
